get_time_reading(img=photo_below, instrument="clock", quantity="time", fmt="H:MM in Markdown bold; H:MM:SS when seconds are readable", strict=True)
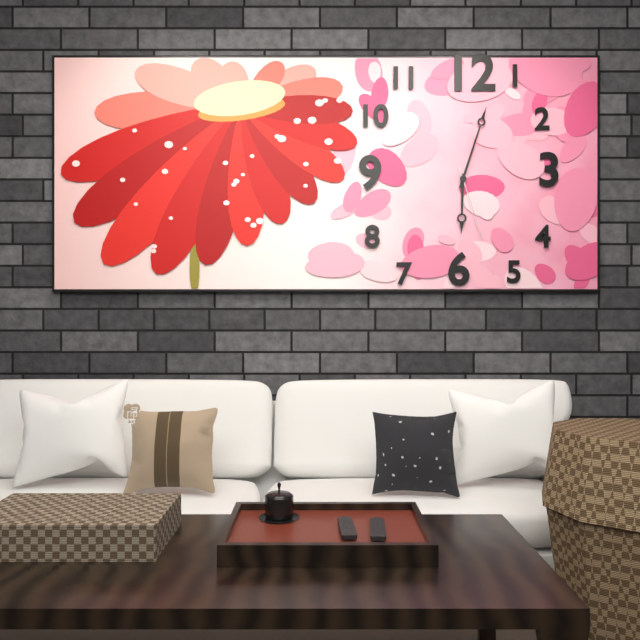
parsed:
**6:03:27**
